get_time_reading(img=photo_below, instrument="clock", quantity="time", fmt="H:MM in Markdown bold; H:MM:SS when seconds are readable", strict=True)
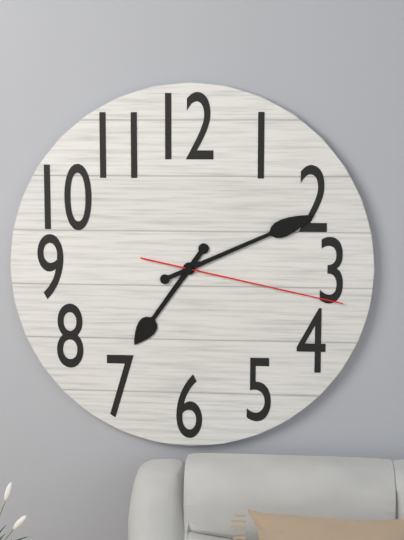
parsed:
**7:11:17**
